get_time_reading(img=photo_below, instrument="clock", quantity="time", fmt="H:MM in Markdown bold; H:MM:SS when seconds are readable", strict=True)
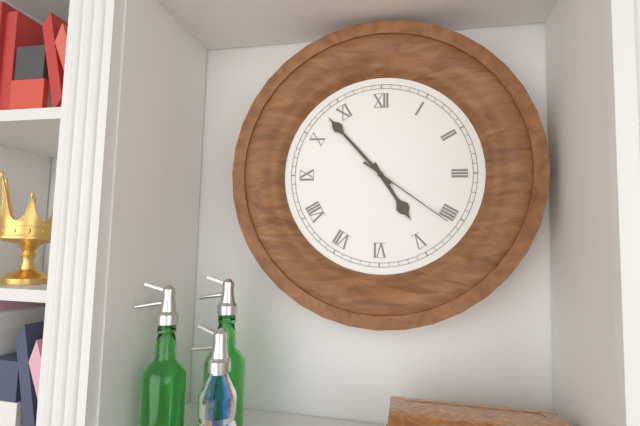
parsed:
**4:53:21**
